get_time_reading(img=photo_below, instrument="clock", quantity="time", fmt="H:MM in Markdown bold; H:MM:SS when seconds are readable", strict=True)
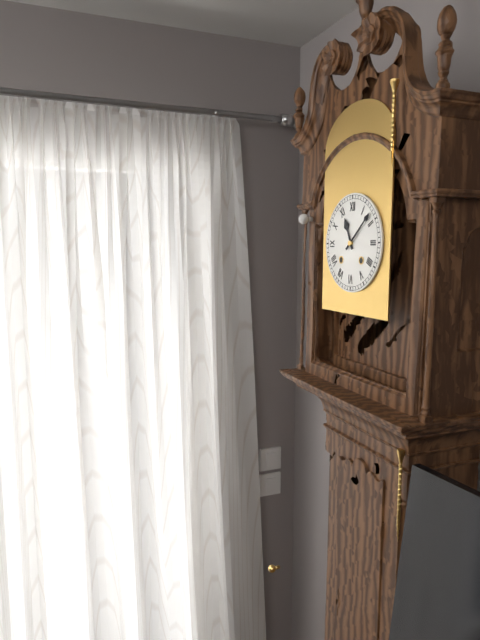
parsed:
**11:08**
